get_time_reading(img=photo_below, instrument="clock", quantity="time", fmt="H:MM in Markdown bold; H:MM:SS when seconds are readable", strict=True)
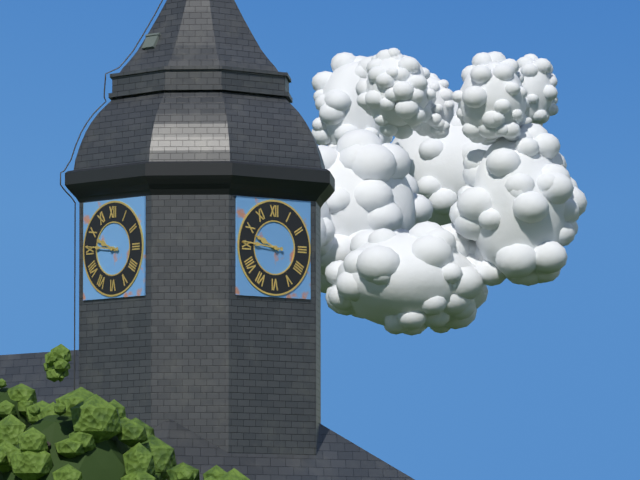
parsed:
**9:46**
